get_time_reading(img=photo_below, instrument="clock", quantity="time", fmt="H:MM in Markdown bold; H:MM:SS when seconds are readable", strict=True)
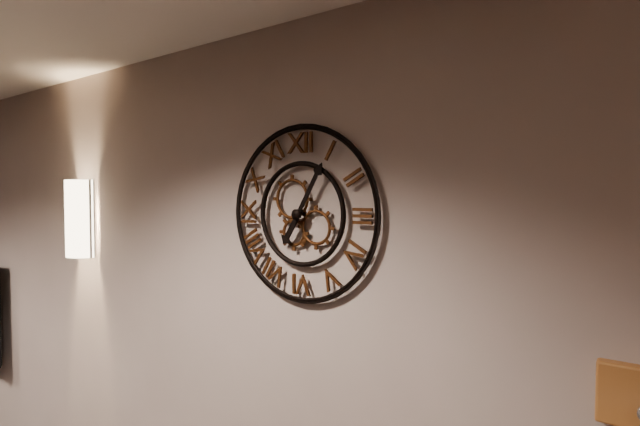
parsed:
**7:05**
